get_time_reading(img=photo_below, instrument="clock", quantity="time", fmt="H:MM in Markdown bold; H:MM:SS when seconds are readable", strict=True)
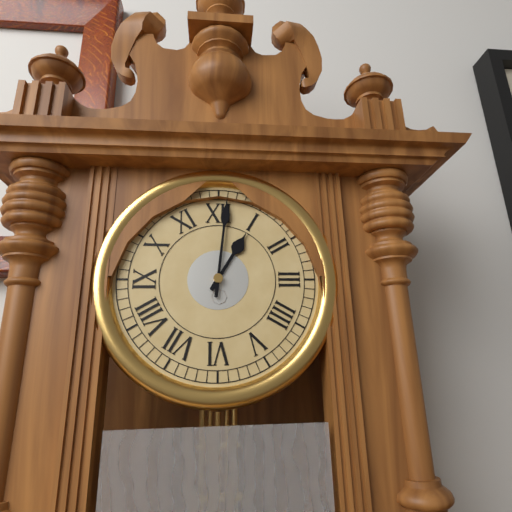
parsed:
**1:01**
